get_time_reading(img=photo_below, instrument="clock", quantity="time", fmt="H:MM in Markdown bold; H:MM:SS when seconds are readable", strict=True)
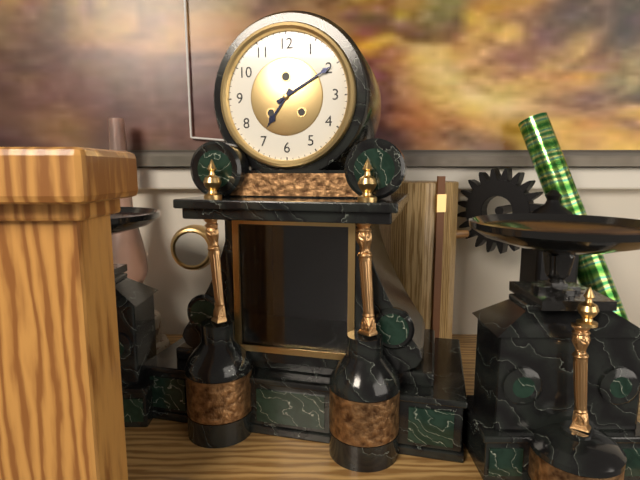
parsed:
**7:10**
